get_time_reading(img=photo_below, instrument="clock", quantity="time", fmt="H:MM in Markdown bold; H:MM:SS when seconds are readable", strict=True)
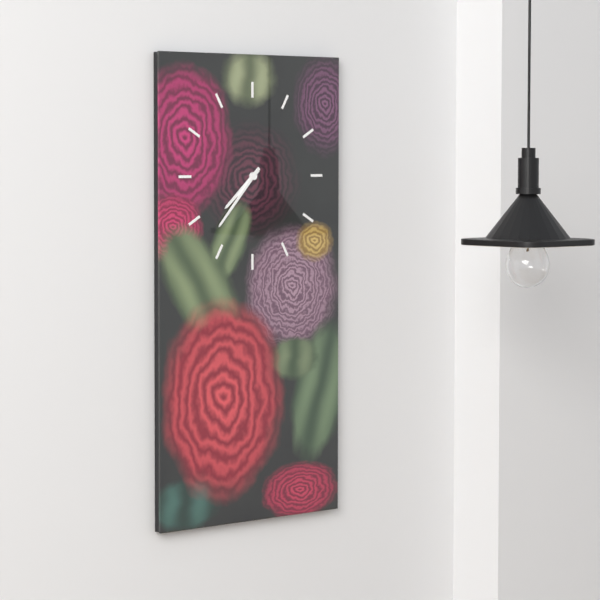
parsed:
**7:37**
